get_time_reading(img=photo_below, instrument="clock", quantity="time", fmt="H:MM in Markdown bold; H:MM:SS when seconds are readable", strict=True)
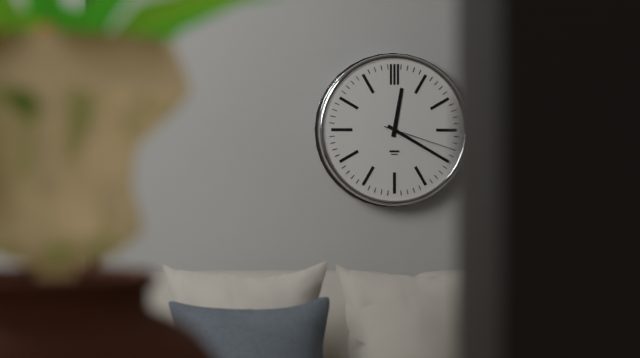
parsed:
**12:20:18**
